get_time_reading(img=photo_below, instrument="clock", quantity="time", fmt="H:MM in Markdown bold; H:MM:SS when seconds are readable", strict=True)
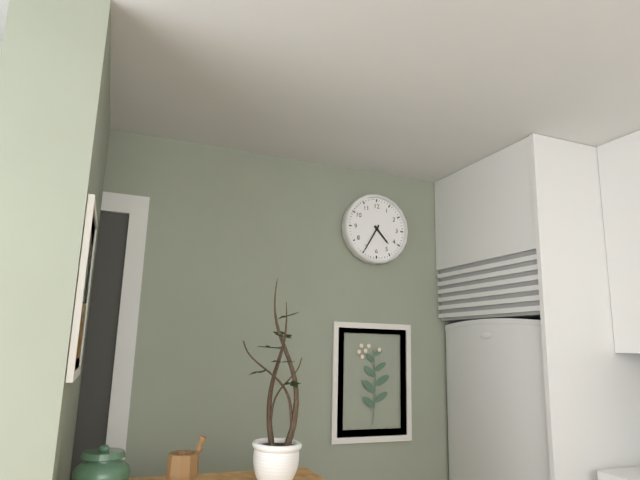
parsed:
**4:35**
